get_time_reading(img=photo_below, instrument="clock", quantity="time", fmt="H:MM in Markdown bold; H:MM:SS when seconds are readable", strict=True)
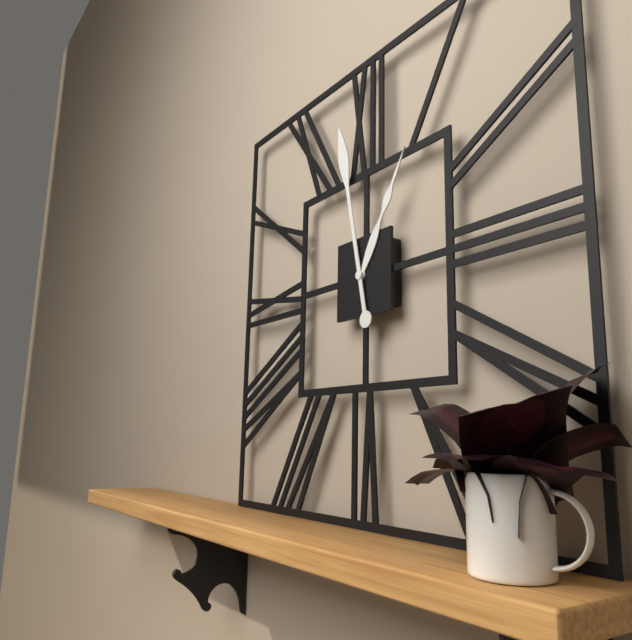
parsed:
**12:58**
